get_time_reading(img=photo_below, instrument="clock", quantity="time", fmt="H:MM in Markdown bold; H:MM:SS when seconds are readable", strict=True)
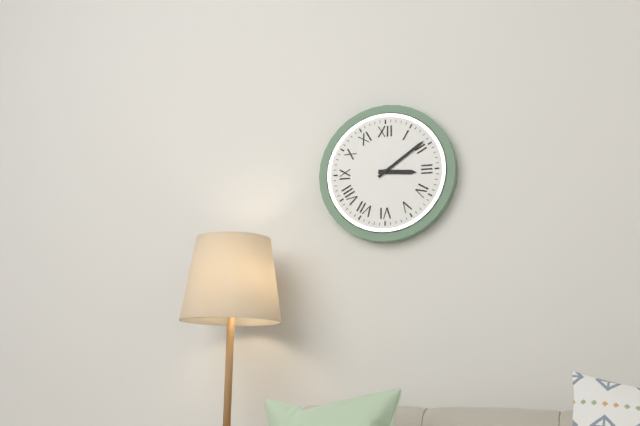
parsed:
**3:09**
